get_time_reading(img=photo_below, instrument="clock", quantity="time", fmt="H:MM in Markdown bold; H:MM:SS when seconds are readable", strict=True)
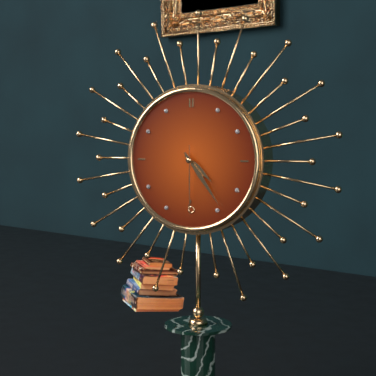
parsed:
**4:24:30**
